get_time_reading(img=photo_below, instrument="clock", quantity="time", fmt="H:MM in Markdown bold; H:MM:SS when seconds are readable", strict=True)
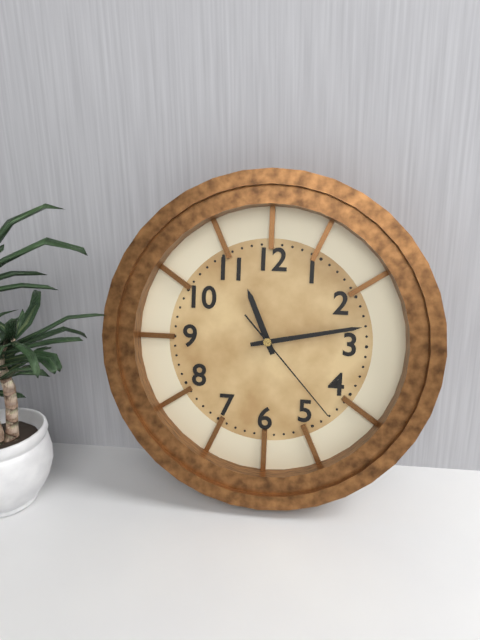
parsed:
**11:13:23**
